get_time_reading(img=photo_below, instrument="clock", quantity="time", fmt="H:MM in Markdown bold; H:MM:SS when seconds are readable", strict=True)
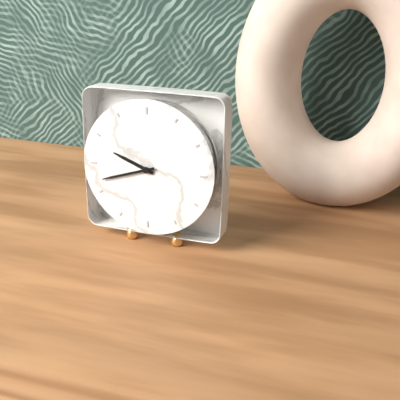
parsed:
**9:42**
